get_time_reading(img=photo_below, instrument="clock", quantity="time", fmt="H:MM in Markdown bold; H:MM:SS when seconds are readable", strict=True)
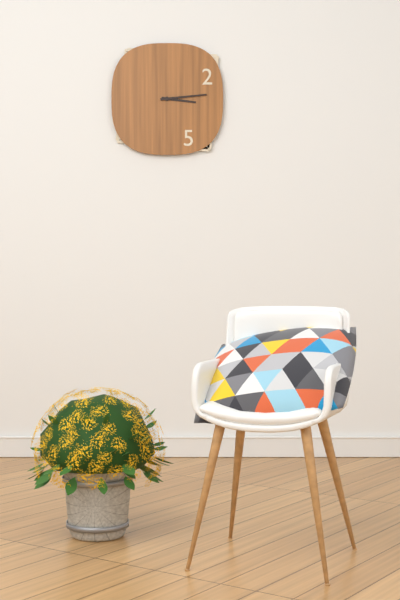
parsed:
**3:14**
